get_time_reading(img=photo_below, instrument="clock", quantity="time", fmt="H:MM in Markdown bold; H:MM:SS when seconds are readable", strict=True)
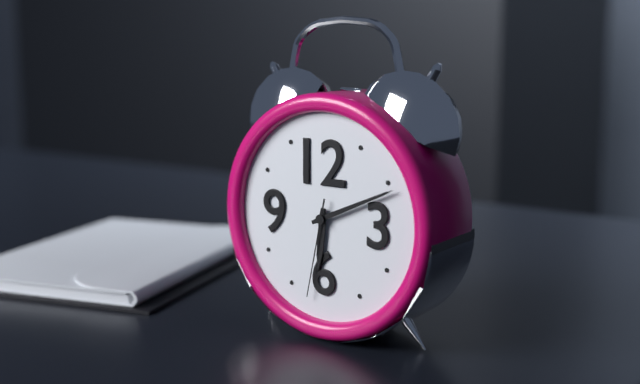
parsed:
**6:11:32**
